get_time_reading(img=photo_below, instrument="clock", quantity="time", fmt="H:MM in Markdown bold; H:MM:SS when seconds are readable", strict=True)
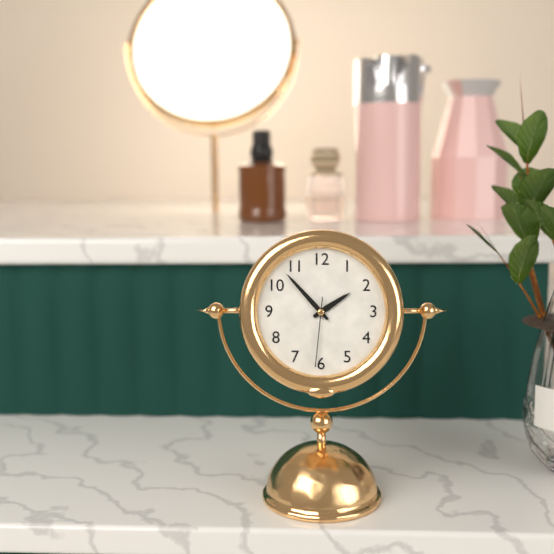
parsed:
**1:53:31**
